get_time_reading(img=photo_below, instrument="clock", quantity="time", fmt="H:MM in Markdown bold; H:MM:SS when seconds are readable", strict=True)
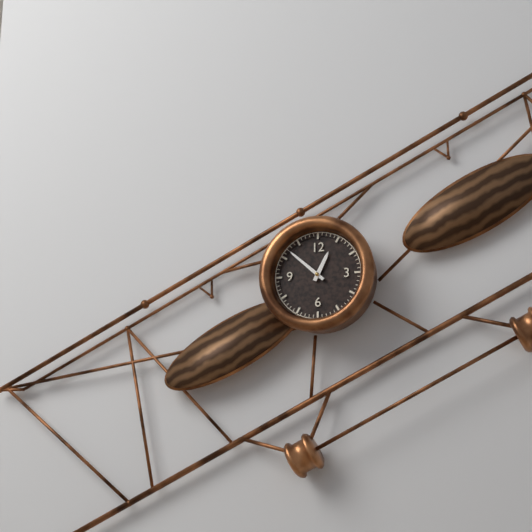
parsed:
**12:52**
